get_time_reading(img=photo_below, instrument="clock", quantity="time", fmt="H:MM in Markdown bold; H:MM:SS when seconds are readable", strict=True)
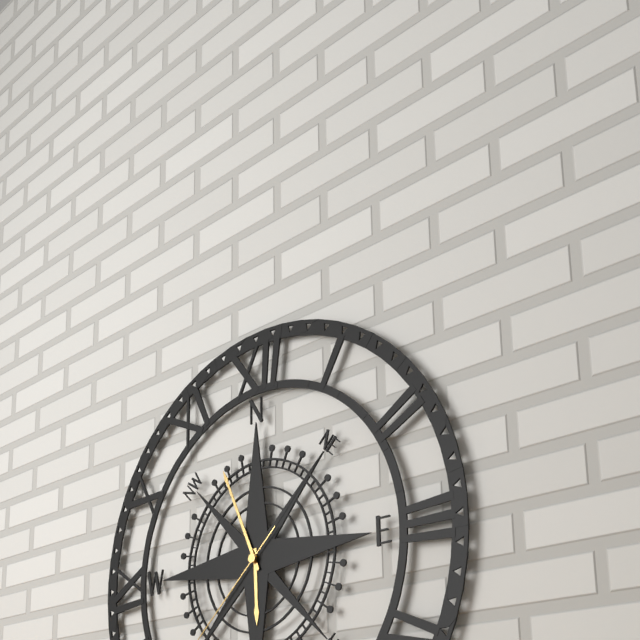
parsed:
**5:56**
